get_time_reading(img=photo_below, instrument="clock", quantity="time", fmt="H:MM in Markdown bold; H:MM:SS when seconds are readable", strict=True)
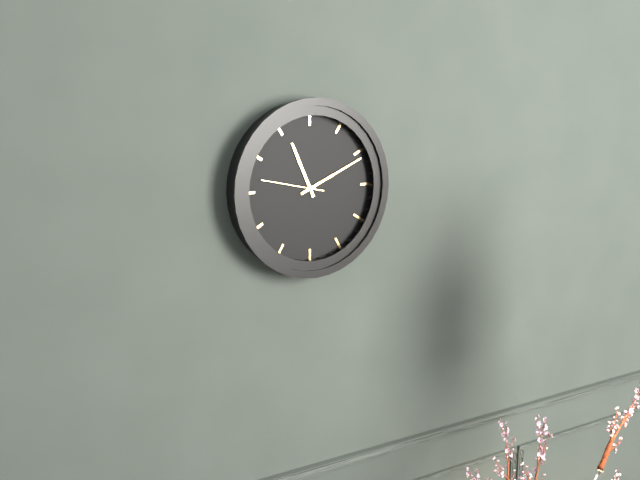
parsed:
**11:11:47**
